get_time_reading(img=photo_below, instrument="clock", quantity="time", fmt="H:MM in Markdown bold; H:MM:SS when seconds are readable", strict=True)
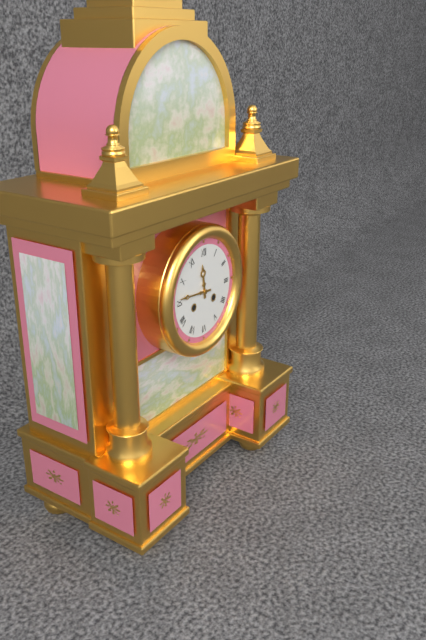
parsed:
**11:46**
